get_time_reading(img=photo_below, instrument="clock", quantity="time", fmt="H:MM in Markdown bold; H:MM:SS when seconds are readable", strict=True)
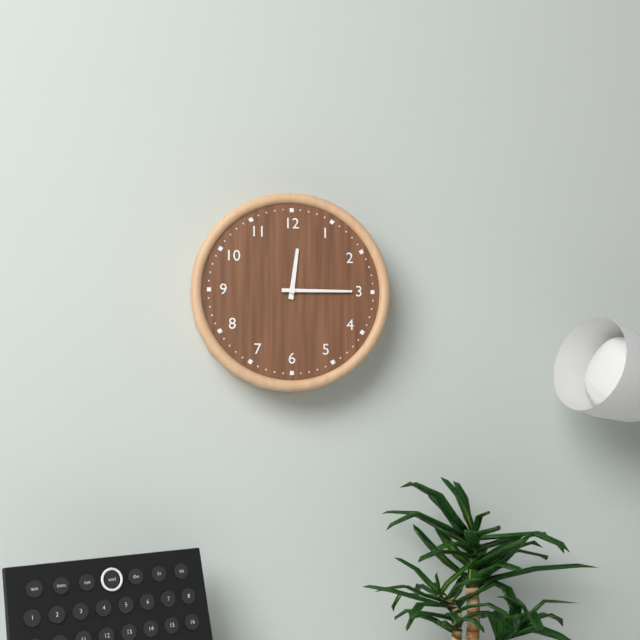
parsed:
**12:15**
